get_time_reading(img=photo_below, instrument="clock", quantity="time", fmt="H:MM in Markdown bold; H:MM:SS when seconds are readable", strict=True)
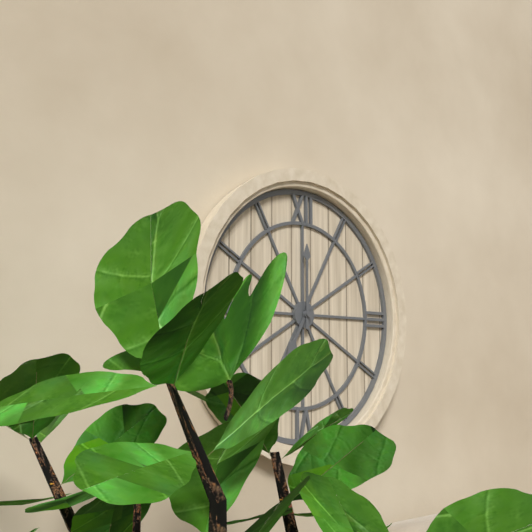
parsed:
**7:00**
